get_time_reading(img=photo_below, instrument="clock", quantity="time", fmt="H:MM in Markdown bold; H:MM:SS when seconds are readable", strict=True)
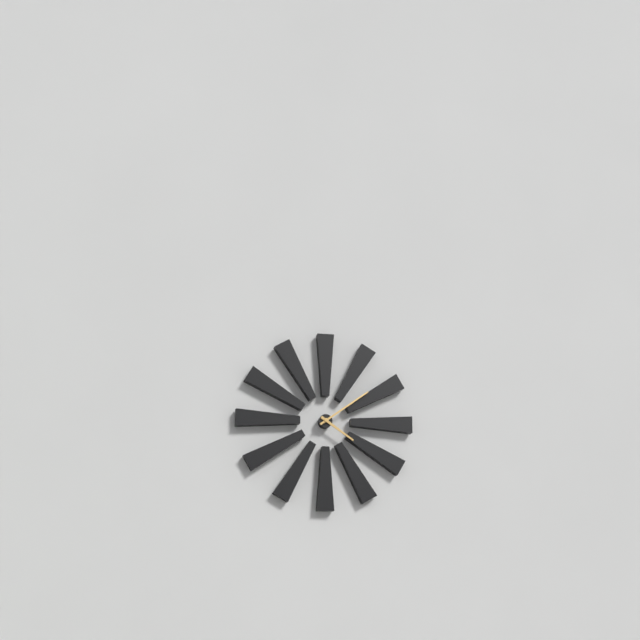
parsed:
**4:09**
